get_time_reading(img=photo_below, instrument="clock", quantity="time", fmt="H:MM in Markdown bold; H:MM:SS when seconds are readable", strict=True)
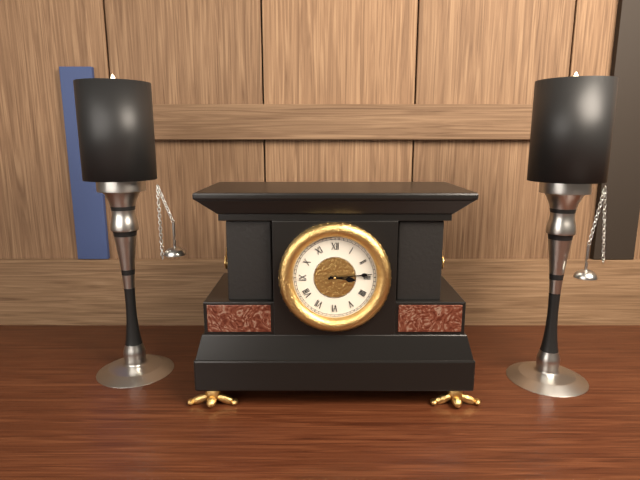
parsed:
**3:14**
